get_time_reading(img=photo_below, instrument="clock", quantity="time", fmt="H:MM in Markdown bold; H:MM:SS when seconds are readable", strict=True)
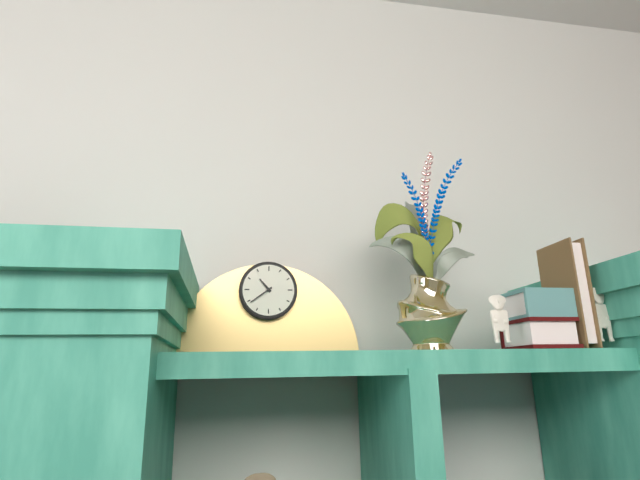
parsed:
**10:39**
